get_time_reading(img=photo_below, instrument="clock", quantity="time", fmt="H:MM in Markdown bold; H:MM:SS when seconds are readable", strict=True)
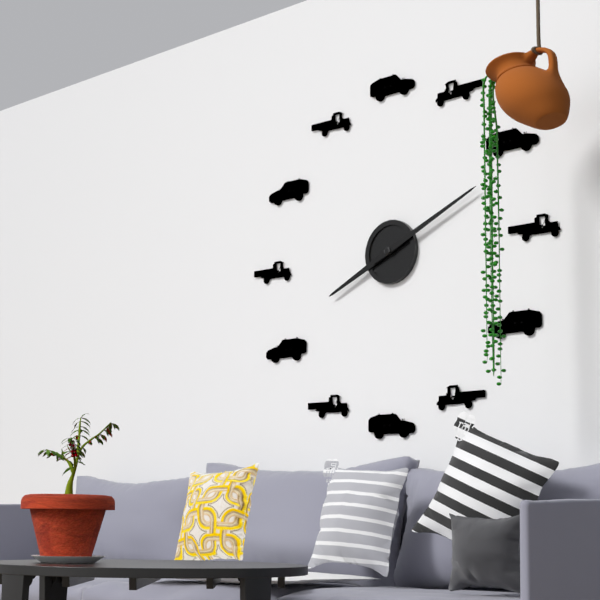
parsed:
**8:11**
